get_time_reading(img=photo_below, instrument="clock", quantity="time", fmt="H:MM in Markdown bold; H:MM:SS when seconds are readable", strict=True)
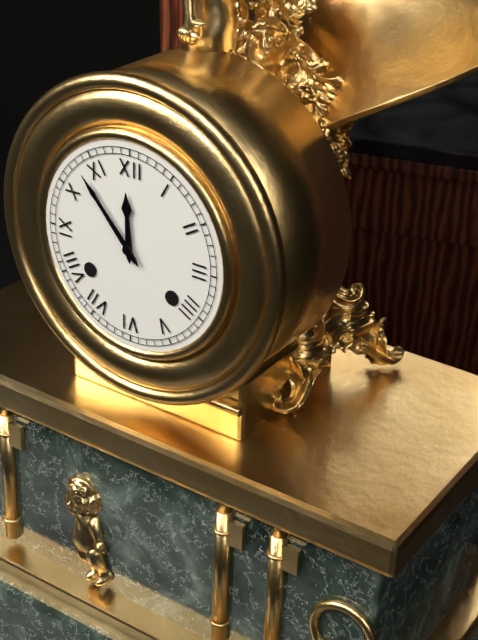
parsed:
**11:53**
